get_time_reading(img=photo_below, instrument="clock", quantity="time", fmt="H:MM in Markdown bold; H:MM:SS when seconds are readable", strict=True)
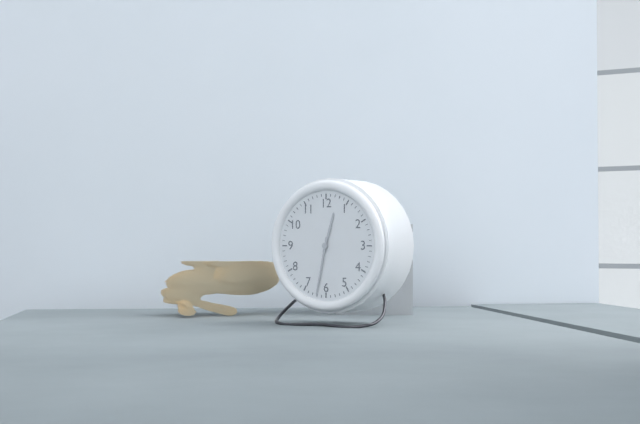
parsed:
**12:32**
